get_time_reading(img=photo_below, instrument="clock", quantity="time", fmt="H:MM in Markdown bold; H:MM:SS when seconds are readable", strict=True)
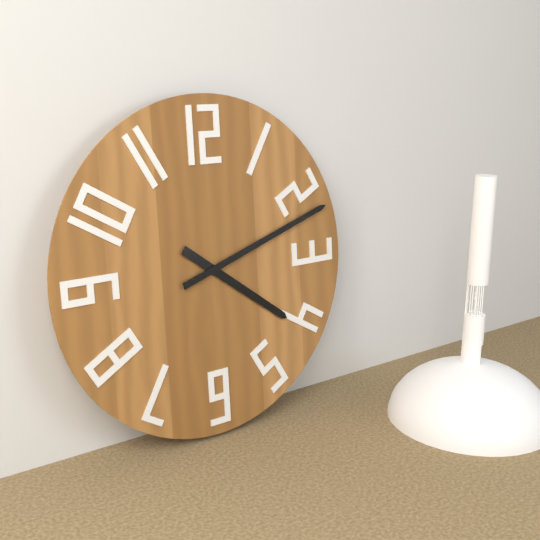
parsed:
**4:12**
